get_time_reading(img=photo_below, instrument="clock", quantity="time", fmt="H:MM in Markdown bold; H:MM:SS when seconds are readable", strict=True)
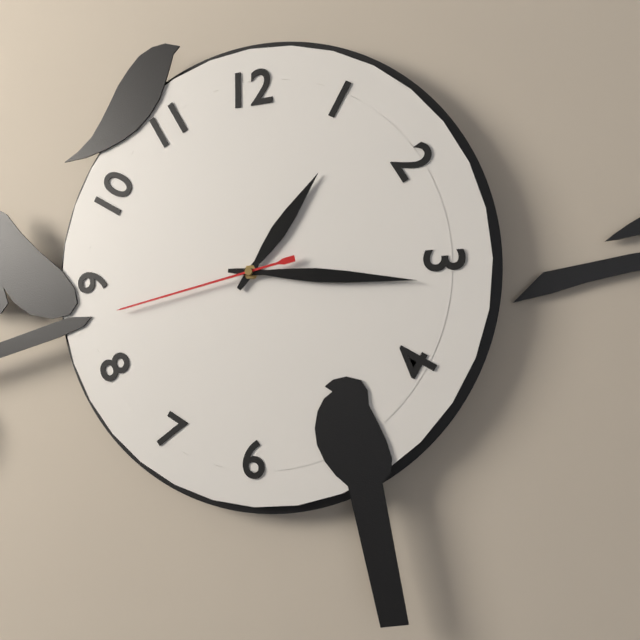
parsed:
**1:16:43**
